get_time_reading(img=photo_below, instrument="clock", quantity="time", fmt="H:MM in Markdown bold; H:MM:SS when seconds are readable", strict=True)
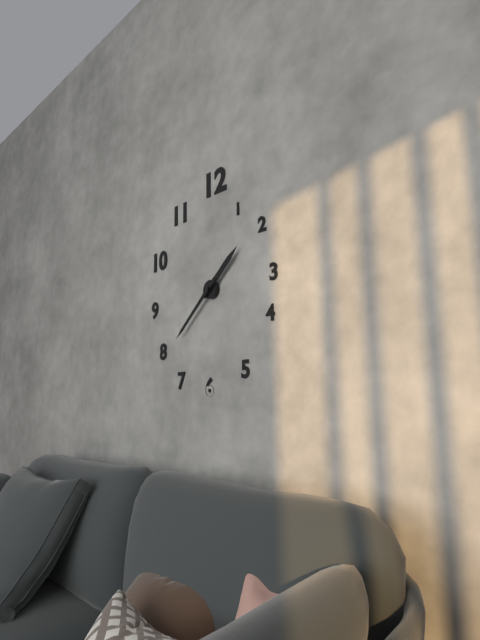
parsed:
**1:38**
